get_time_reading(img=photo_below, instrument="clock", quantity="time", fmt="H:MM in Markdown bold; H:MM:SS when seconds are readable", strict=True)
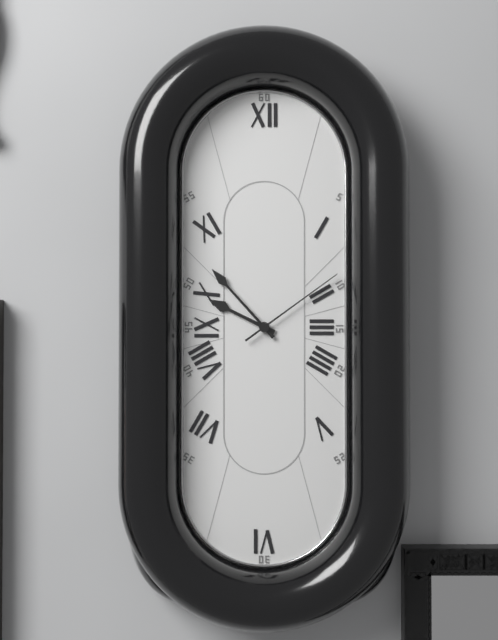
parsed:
**9:53:09**
